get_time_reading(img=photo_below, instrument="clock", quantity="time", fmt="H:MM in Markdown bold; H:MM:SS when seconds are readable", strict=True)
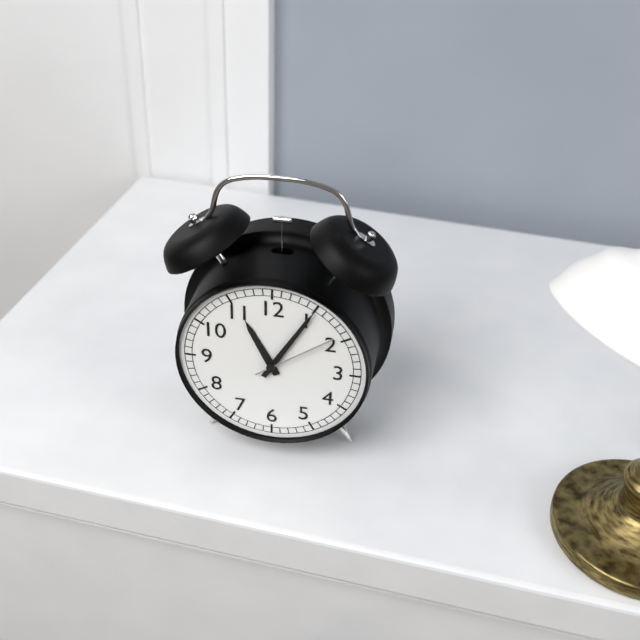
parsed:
**11:05:09**
